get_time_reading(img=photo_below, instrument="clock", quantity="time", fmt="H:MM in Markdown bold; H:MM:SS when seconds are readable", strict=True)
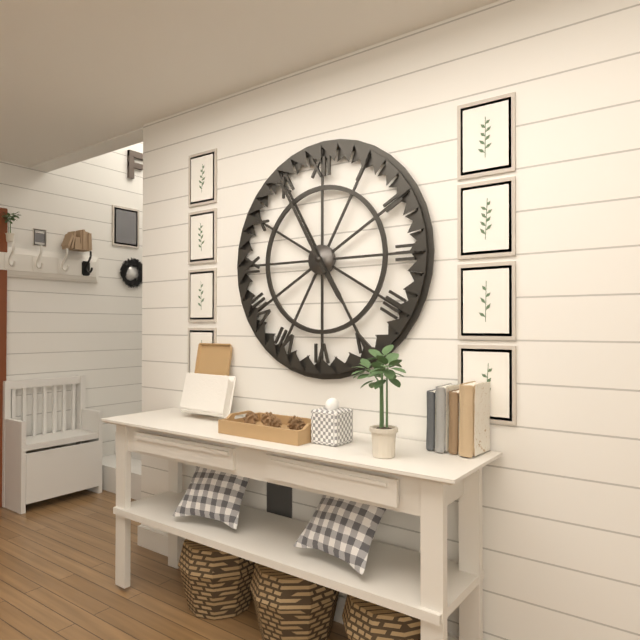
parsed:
**4:55**
